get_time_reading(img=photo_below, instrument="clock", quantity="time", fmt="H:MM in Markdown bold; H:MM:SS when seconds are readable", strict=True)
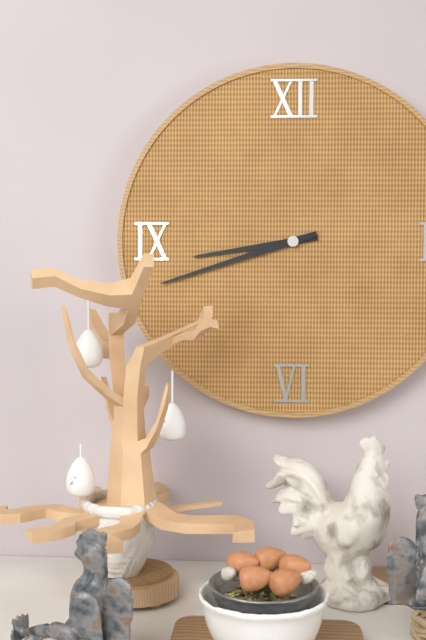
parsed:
**8:42**
